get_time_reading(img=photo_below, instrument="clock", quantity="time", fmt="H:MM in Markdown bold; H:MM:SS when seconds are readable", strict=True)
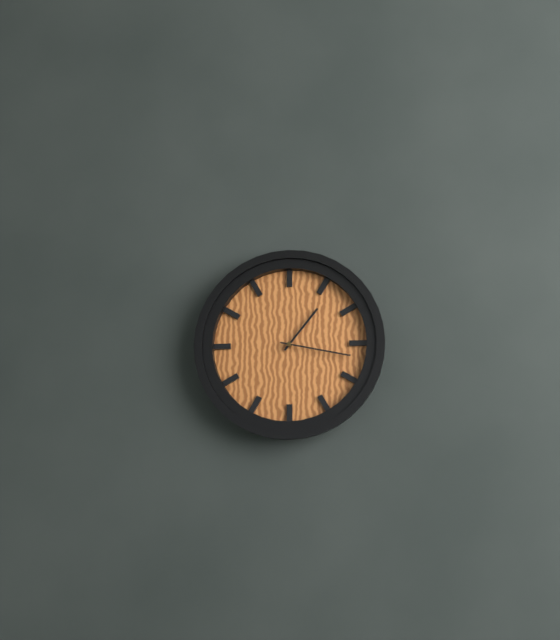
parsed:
**1:17**
